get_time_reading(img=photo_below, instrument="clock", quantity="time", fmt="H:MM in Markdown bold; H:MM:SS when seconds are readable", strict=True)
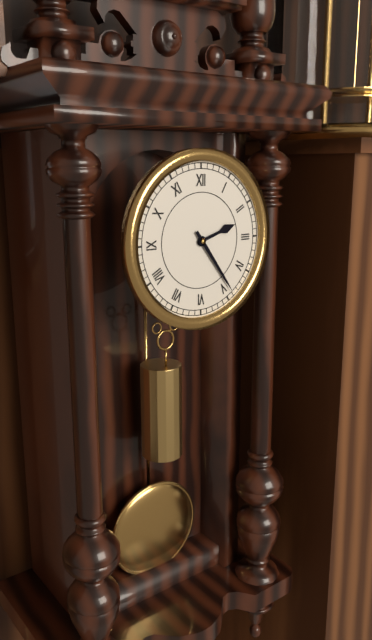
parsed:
**2:24**
